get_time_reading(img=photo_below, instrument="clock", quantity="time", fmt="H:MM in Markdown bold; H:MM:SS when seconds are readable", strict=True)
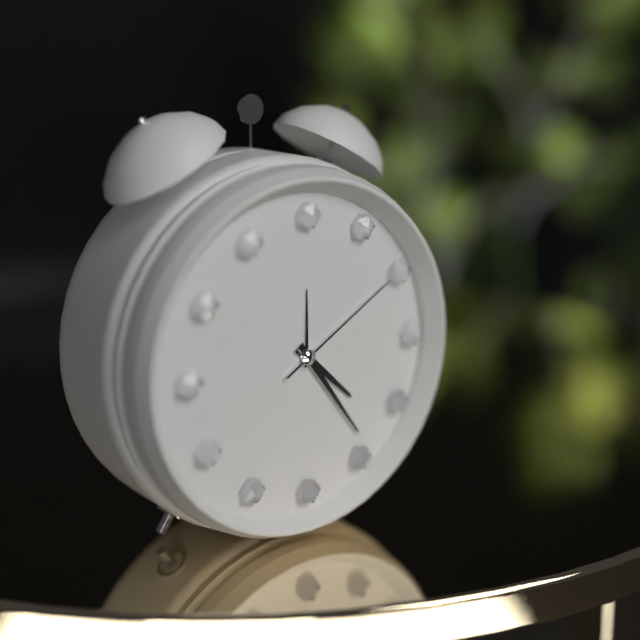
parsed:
**4:24:10**
